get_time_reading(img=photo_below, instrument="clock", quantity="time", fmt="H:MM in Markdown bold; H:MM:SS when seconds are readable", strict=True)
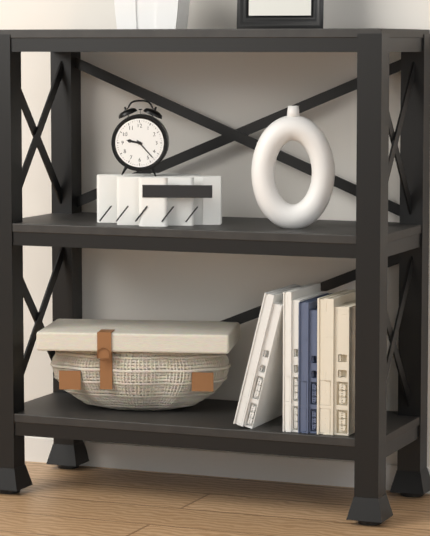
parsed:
**9:23**
